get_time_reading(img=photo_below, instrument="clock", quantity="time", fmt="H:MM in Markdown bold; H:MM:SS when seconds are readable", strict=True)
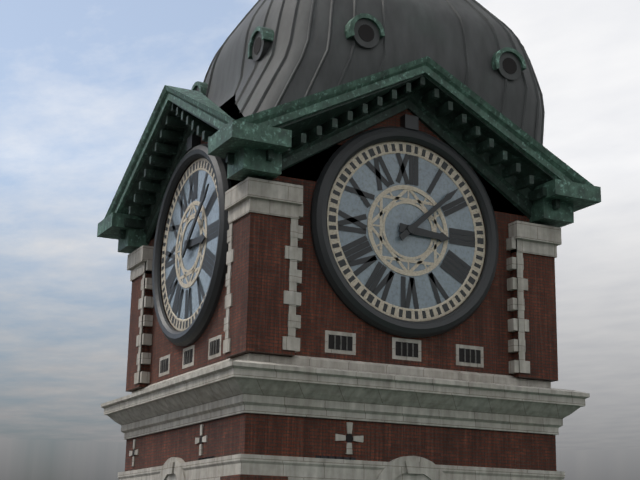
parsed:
**3:08**
